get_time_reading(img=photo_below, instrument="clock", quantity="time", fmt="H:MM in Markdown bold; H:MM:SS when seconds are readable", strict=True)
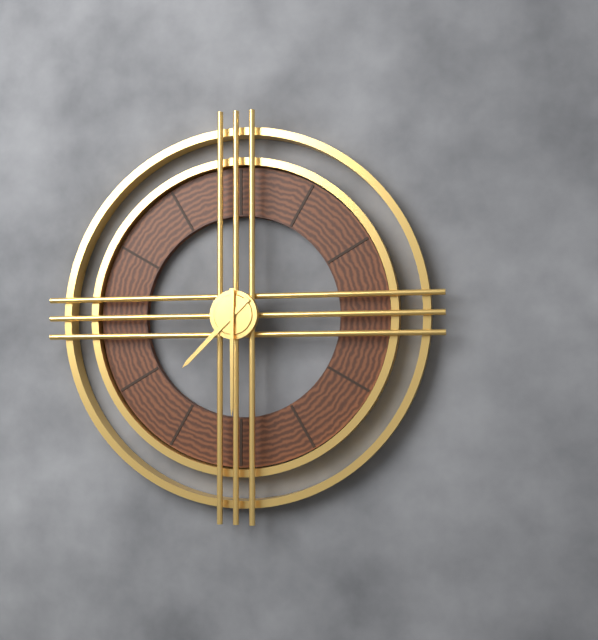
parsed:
**7:30**
